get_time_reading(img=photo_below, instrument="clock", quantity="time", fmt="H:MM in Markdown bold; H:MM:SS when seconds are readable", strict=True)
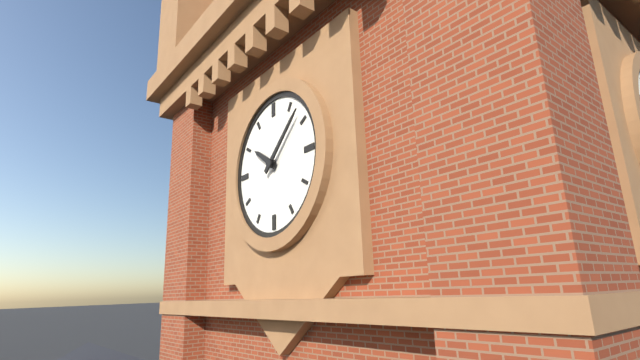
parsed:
**10:08**
